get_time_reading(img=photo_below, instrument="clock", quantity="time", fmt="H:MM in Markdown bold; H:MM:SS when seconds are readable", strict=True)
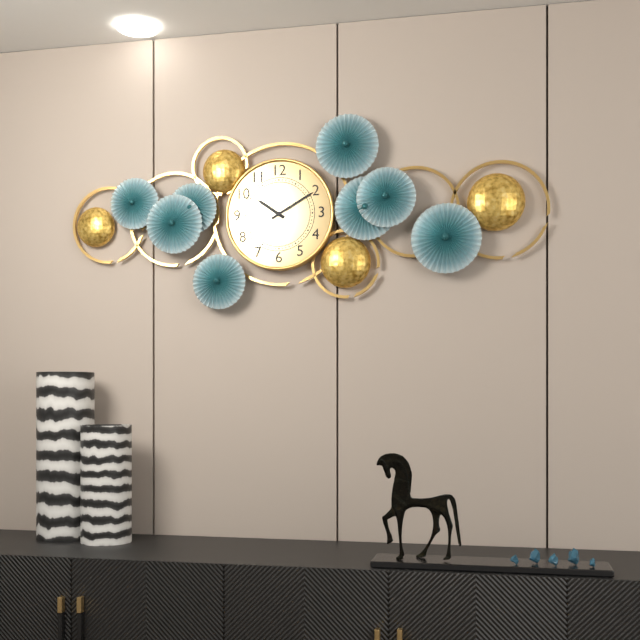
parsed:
**10:10**
